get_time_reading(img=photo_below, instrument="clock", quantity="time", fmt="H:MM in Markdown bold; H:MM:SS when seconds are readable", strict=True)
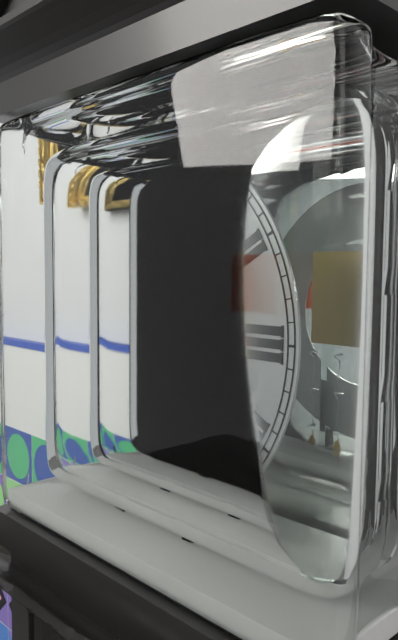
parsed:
**12:50**
